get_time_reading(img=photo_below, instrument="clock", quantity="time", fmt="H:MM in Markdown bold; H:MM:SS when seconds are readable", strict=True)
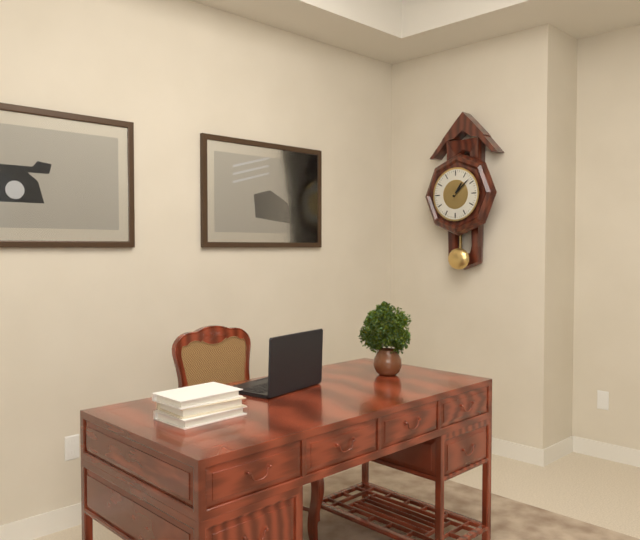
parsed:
**1:08**
